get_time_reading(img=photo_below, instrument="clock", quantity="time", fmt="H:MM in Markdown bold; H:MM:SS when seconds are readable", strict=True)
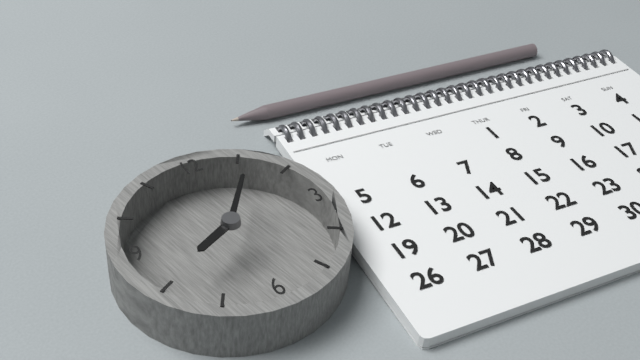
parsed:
**8:06**
